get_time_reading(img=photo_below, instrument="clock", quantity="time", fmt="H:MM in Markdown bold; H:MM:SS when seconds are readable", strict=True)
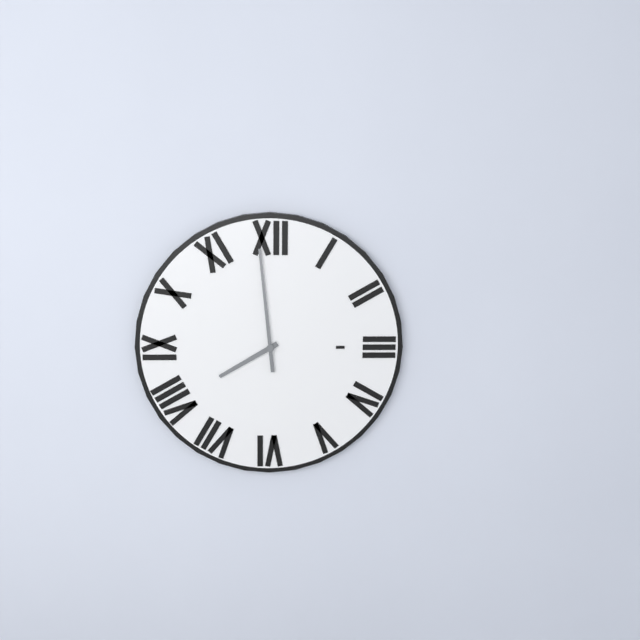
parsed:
**7:59**
